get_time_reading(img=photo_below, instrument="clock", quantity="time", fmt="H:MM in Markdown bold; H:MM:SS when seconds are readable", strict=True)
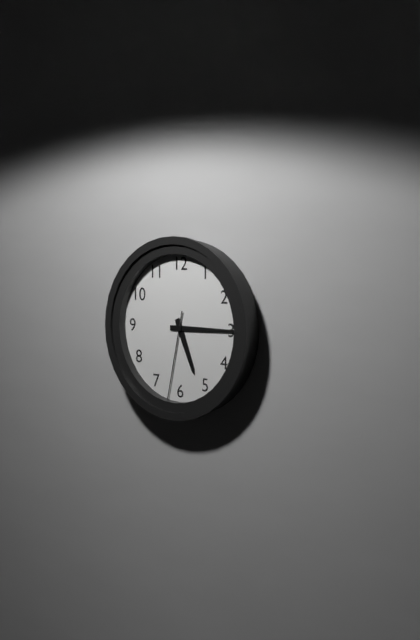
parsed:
**5:15:32**
